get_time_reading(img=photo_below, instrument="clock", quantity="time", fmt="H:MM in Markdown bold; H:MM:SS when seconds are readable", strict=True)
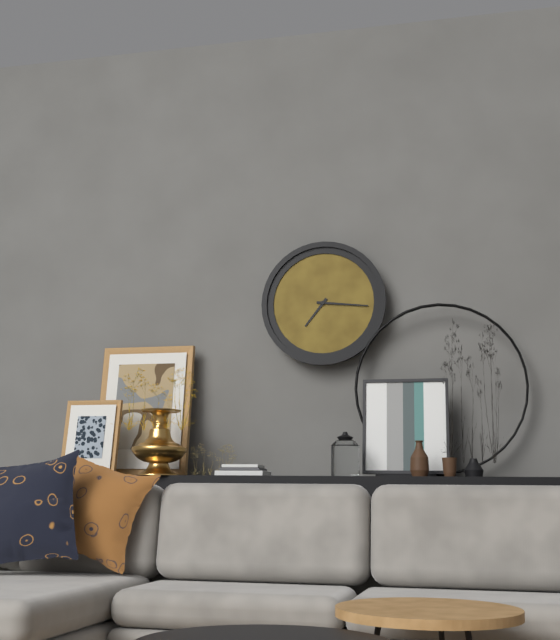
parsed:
**7:16**
